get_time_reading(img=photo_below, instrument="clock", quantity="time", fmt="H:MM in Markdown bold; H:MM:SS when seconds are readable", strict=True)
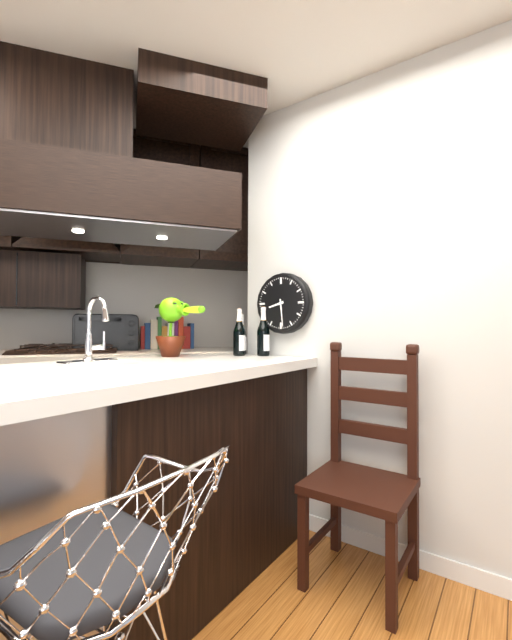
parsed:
**8:29**
